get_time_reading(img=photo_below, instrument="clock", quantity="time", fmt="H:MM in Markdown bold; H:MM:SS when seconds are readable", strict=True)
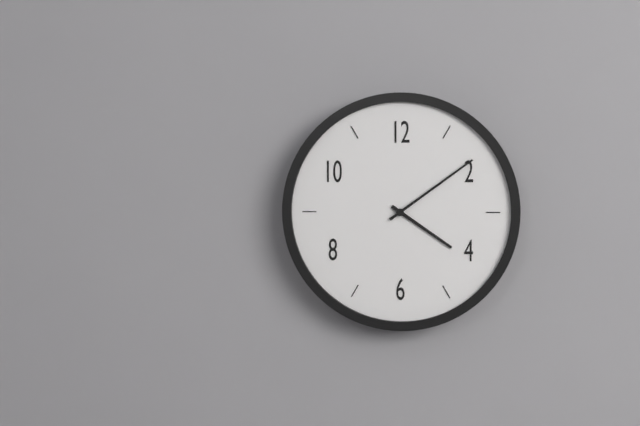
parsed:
**4:09**
